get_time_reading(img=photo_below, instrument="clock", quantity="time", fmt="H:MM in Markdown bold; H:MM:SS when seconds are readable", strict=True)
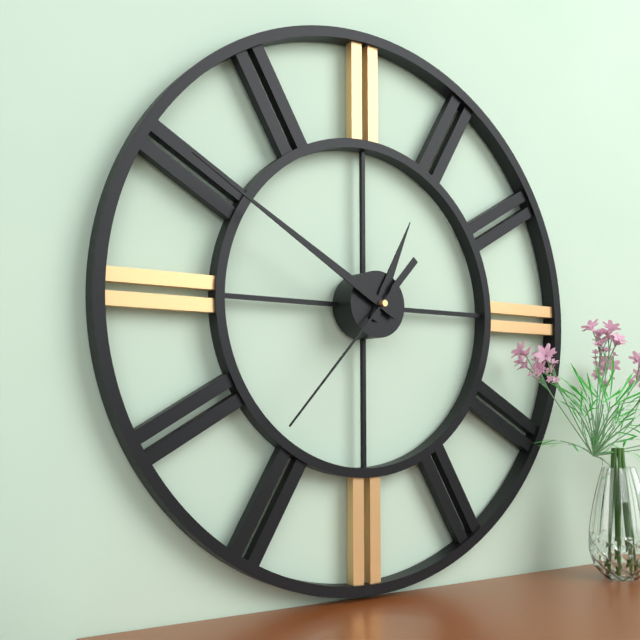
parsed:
**12:50:37**
